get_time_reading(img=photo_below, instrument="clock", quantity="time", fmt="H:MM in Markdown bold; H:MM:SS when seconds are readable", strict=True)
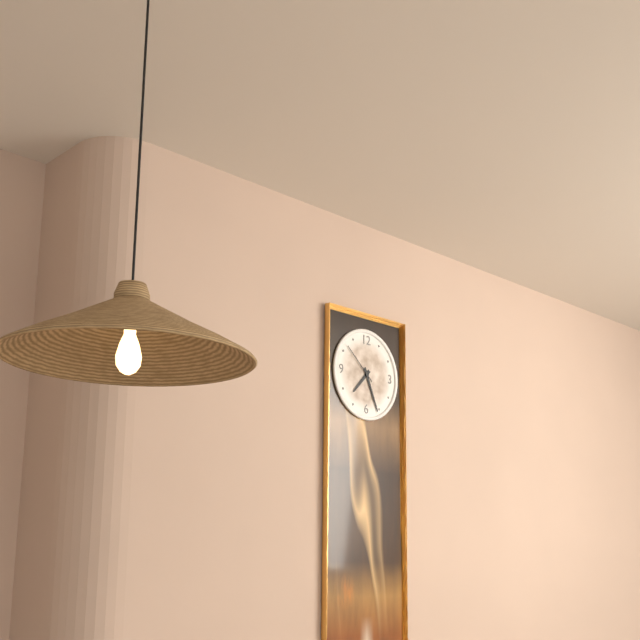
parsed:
**7:26**
